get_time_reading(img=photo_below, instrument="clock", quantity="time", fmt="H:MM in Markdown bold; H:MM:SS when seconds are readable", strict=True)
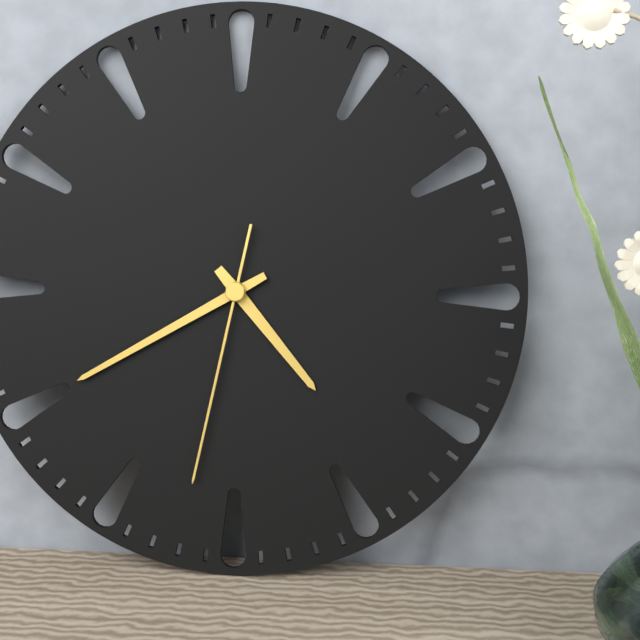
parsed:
**4:40:32**
